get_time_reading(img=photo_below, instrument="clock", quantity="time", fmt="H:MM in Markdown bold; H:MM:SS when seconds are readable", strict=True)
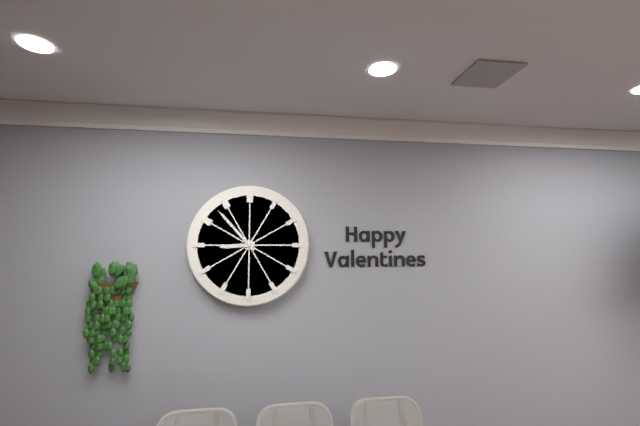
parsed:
**8:53**
